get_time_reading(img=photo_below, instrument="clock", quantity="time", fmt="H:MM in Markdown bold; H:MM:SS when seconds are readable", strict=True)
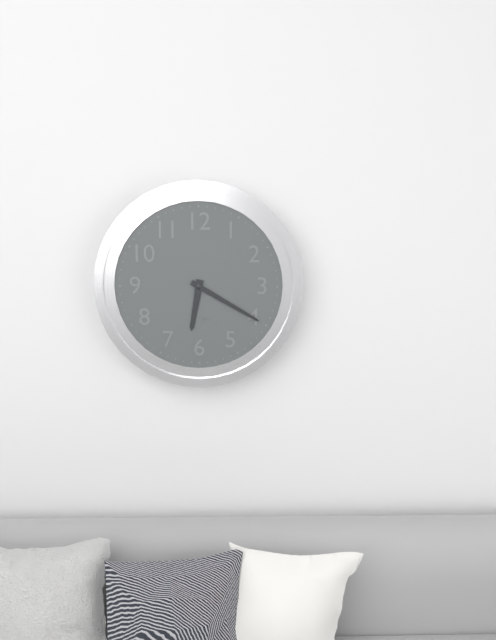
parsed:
**6:20**
